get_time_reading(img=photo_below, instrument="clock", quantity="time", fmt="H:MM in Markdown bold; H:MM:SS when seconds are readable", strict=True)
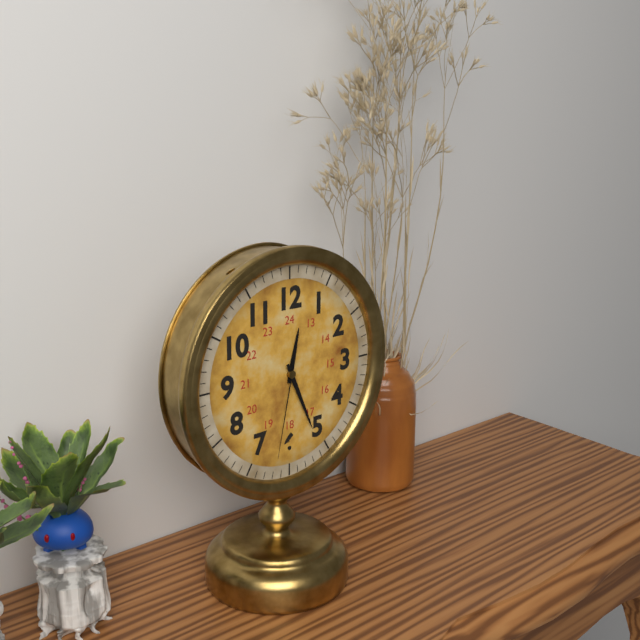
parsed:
**12:26:32**
